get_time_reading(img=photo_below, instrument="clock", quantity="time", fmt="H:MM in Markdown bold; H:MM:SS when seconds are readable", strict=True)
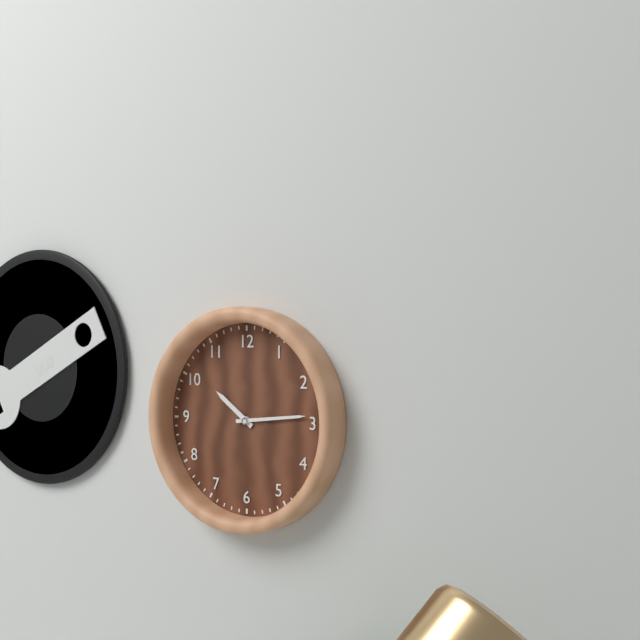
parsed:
**10:14**
